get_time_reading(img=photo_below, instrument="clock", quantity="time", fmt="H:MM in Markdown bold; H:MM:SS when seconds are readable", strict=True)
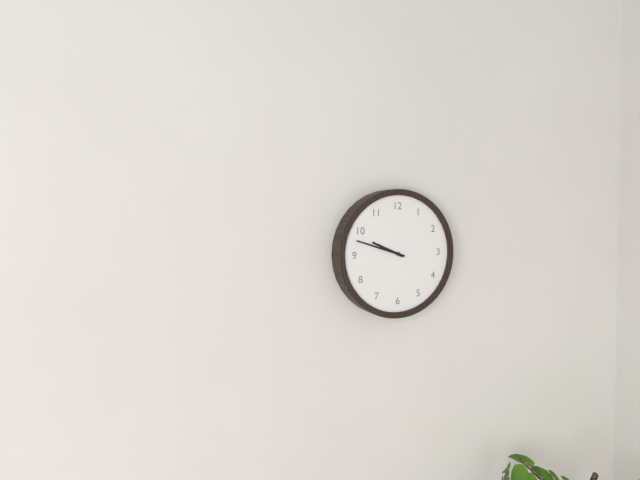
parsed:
**9:48**
